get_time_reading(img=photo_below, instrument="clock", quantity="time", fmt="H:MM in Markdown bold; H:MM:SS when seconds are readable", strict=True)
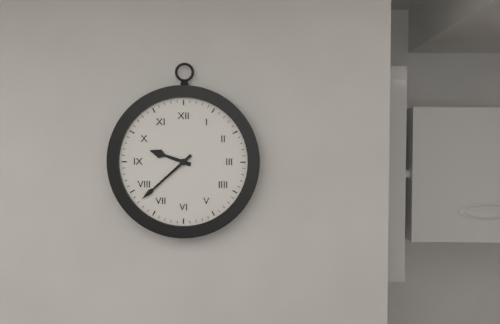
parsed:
**9:38**
